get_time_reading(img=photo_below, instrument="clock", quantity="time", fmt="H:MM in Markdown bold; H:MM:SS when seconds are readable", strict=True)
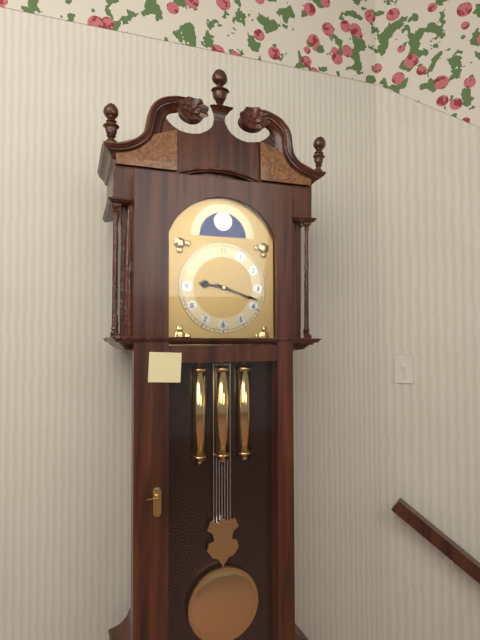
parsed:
**9:18**
